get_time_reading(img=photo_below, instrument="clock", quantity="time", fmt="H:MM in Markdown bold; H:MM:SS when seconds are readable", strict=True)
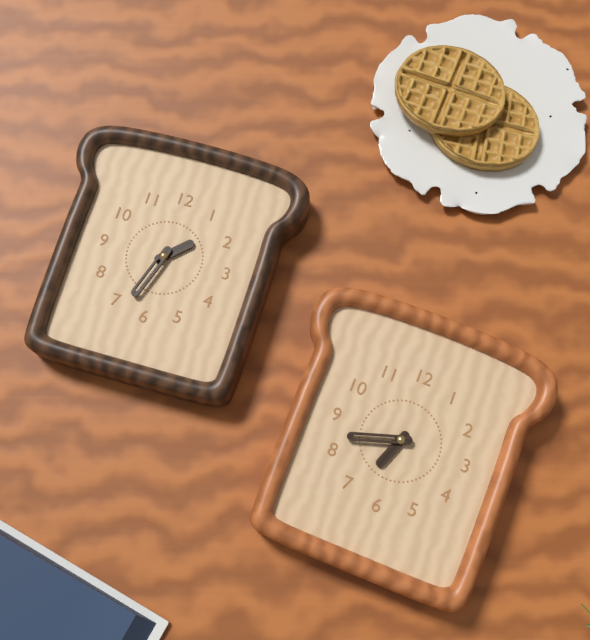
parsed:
**6:42**
